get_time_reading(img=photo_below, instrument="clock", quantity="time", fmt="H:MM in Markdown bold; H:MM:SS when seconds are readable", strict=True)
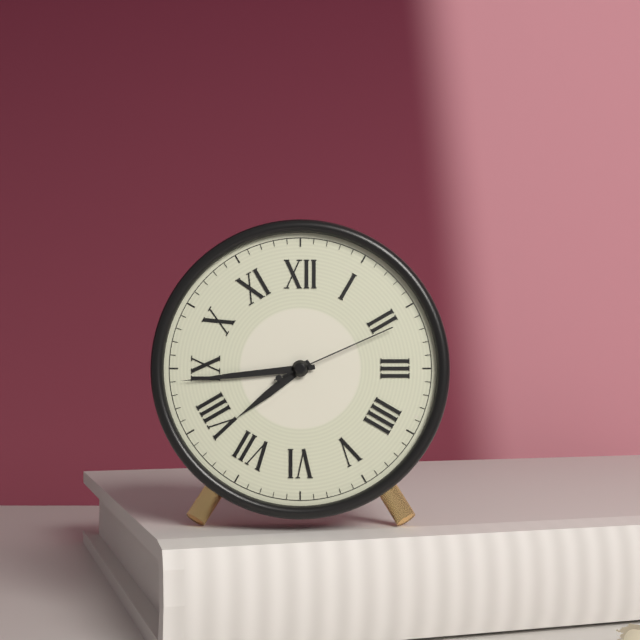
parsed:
**7:44:11**
